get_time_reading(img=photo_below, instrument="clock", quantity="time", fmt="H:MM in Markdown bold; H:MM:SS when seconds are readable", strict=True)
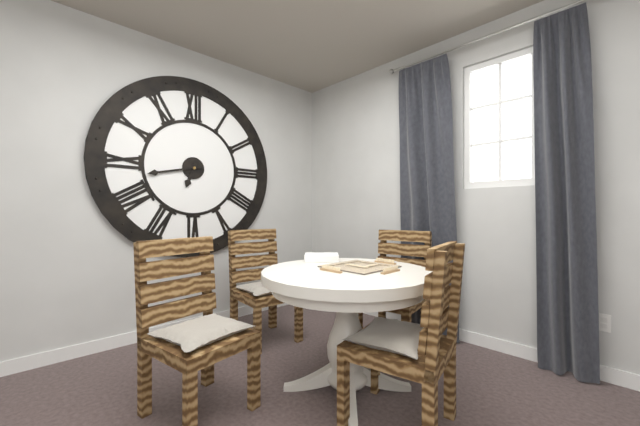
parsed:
**6:43**
